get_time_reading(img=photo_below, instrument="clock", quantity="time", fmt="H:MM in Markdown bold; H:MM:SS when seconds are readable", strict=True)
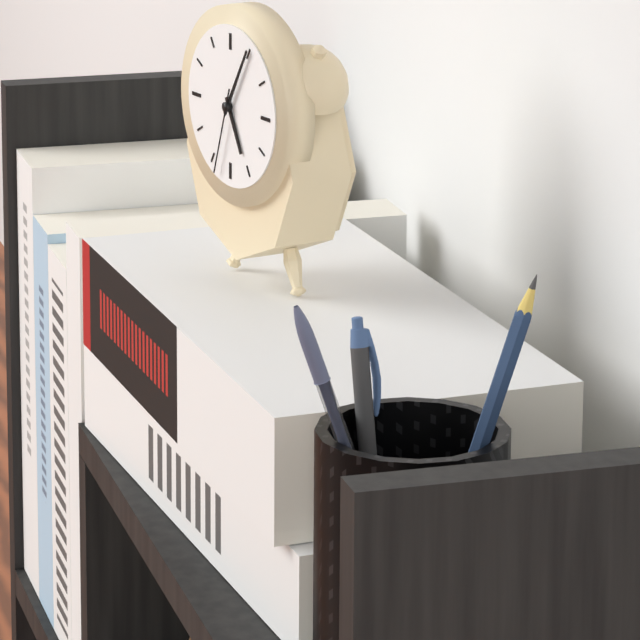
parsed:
**5:05:33**
